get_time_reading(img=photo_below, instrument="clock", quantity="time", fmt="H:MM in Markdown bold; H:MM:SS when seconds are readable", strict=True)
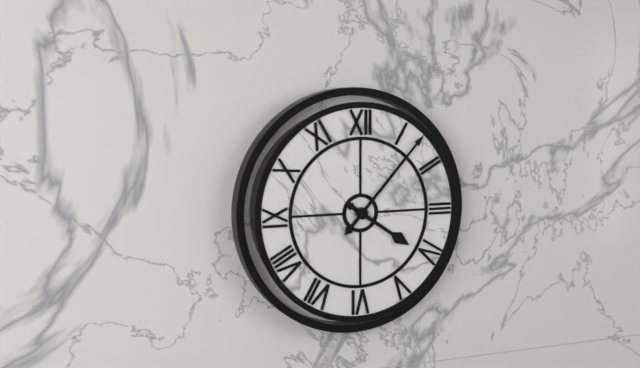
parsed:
**4:07**
